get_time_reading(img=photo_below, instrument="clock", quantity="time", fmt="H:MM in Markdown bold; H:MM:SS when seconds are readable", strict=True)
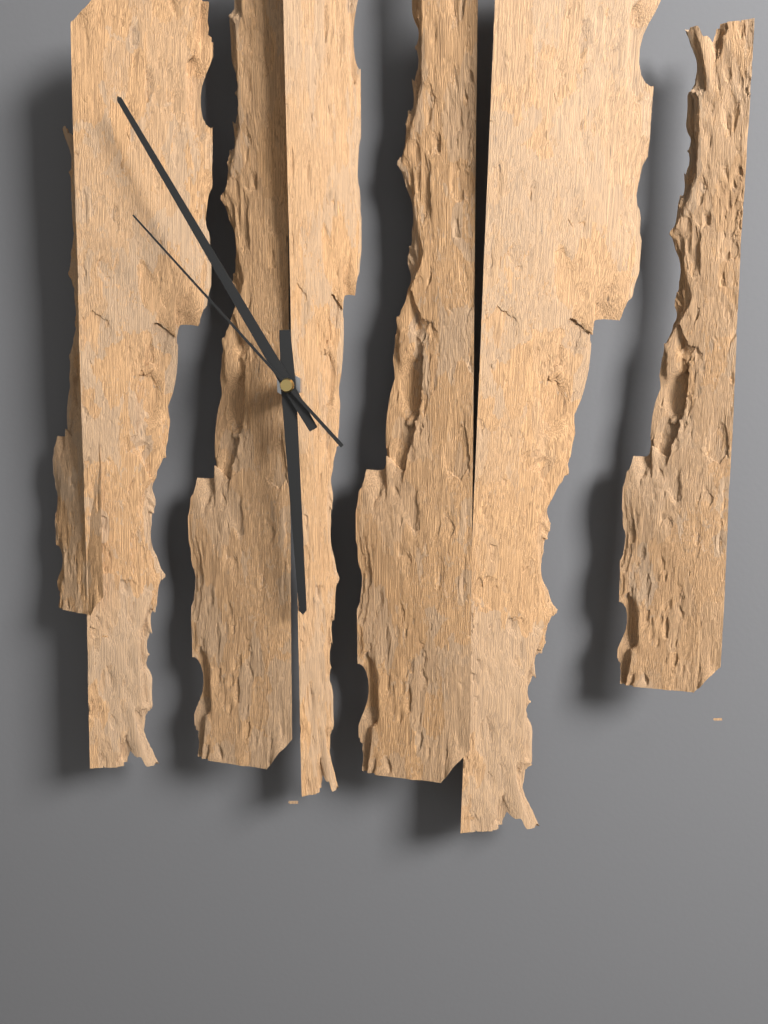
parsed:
**5:55:53**
